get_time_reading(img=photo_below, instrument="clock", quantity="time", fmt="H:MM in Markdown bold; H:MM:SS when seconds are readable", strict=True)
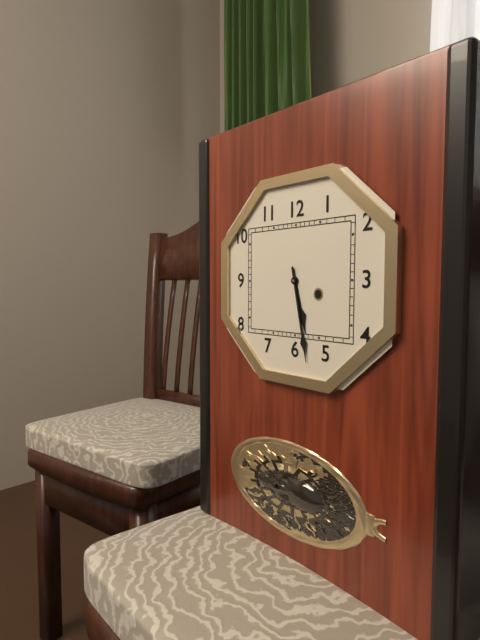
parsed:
**5:28**
